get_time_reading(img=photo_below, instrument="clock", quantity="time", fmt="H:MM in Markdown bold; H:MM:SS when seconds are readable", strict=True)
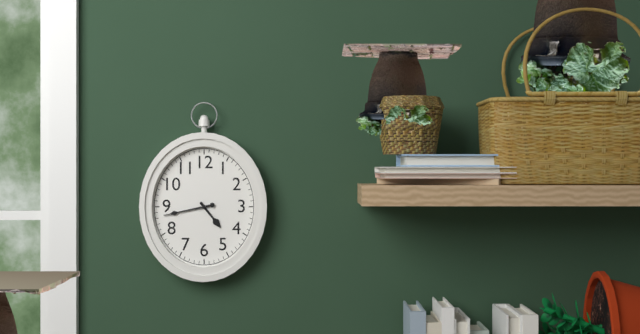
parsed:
**4:43**
